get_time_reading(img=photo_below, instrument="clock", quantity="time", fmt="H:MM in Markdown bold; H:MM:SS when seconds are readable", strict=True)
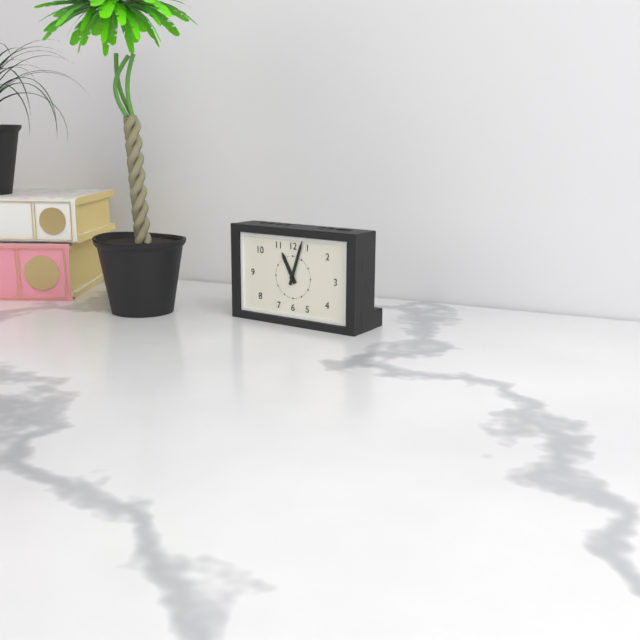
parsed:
**11:03**
